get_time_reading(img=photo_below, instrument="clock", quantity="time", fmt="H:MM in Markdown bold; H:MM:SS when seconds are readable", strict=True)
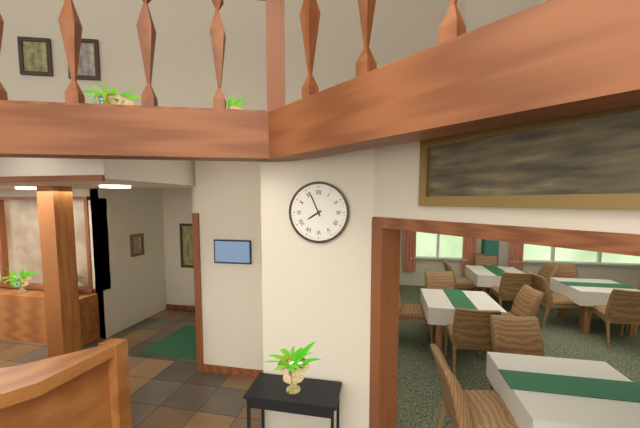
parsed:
**7:56**
